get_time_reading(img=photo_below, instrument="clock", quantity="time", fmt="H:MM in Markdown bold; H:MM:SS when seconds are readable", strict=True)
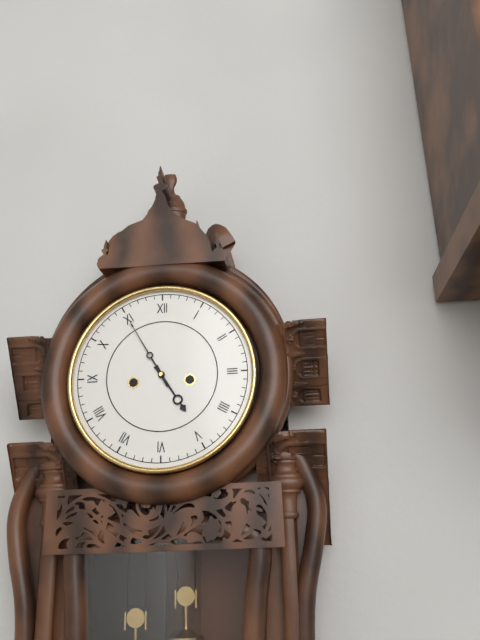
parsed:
**4:55**
